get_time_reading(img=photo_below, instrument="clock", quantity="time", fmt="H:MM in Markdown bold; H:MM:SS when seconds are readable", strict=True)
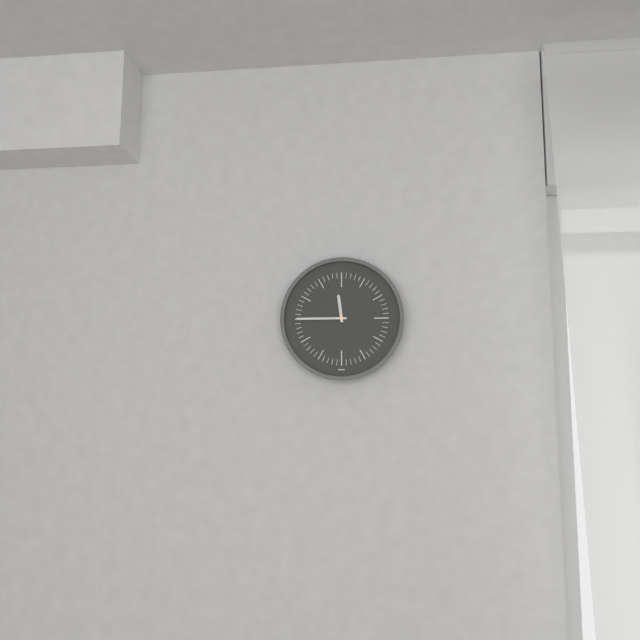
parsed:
**11:45**
